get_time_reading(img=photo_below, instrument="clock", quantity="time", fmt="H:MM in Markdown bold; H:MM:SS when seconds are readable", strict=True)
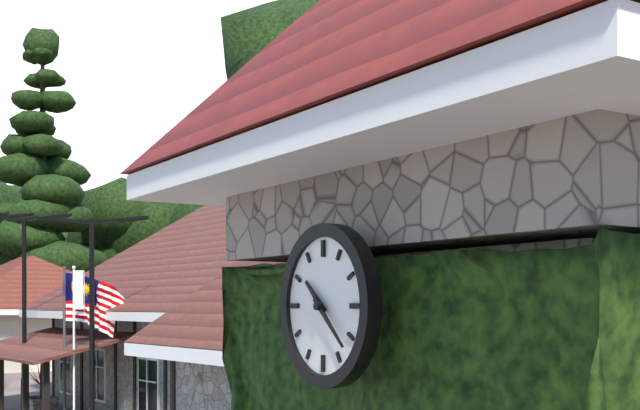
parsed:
**10:22**
